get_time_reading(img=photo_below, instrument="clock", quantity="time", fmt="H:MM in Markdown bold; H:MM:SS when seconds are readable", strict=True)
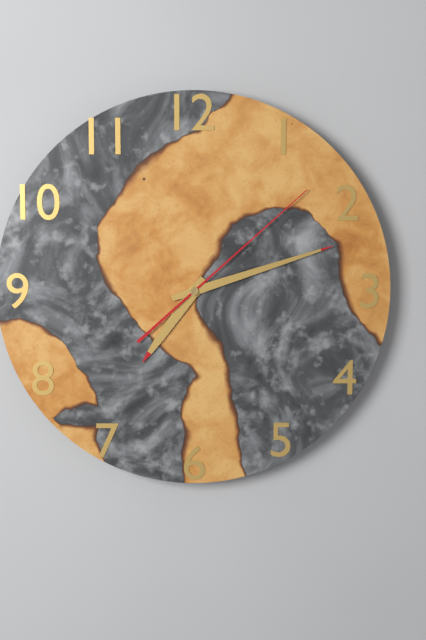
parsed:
**7:12:08**
